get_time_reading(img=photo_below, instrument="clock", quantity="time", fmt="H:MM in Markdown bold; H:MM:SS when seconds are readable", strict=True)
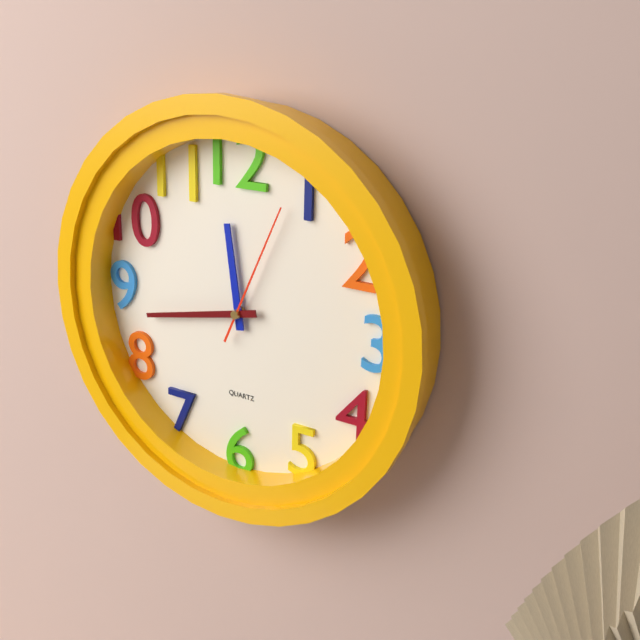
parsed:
**11:43:04**
